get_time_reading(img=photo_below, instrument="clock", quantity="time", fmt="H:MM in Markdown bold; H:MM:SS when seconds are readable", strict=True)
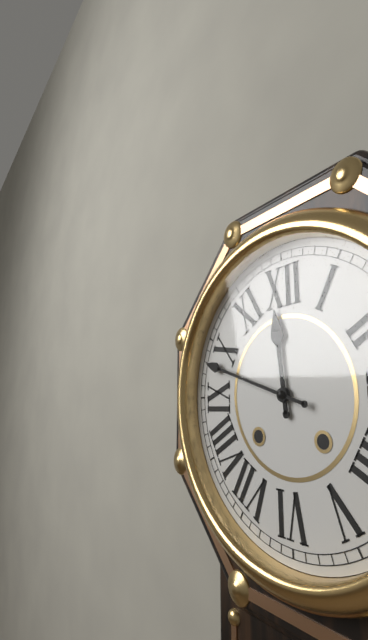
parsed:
**11:48**
